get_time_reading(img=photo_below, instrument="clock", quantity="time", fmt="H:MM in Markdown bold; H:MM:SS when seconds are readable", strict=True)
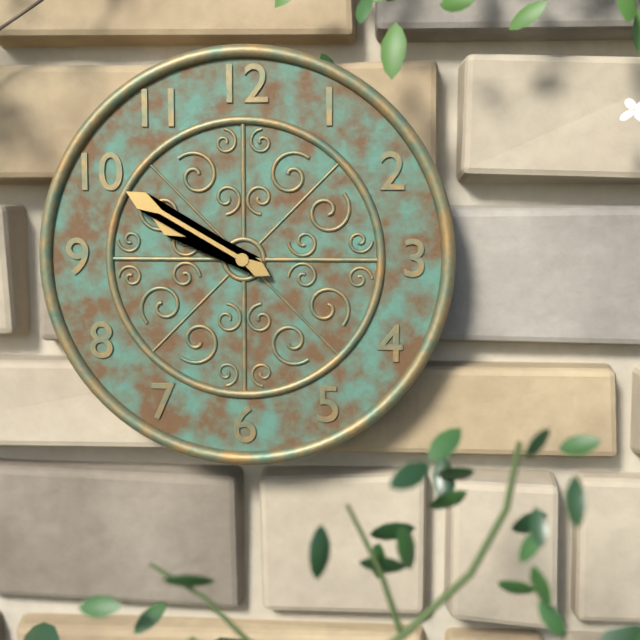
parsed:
**9:50**
